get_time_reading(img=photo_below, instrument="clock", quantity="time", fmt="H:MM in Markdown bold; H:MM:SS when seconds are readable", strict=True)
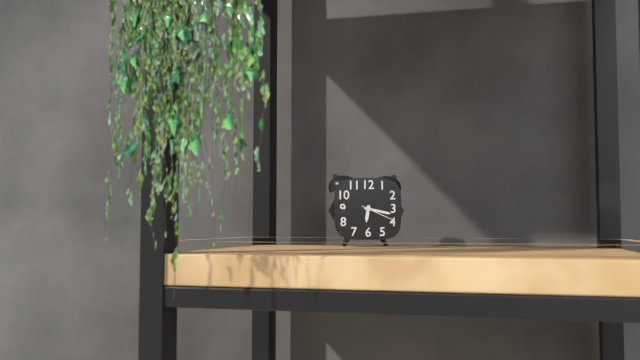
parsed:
**6:17**
